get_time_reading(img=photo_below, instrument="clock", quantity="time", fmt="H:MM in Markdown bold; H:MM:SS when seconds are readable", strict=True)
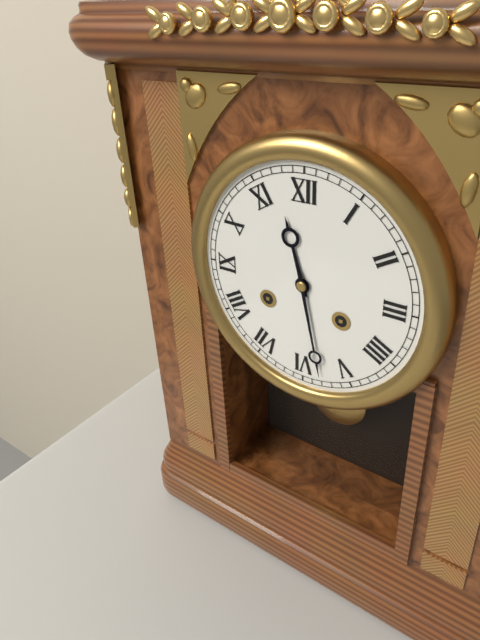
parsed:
**11:28**
